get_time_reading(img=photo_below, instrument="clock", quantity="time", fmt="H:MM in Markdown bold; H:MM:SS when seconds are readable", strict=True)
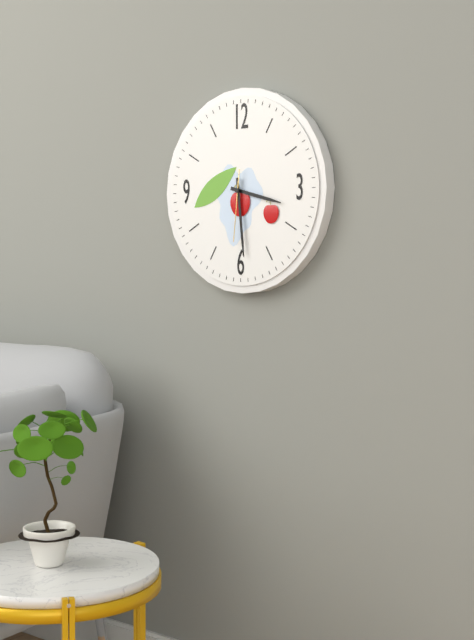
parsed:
**3:29:31**
